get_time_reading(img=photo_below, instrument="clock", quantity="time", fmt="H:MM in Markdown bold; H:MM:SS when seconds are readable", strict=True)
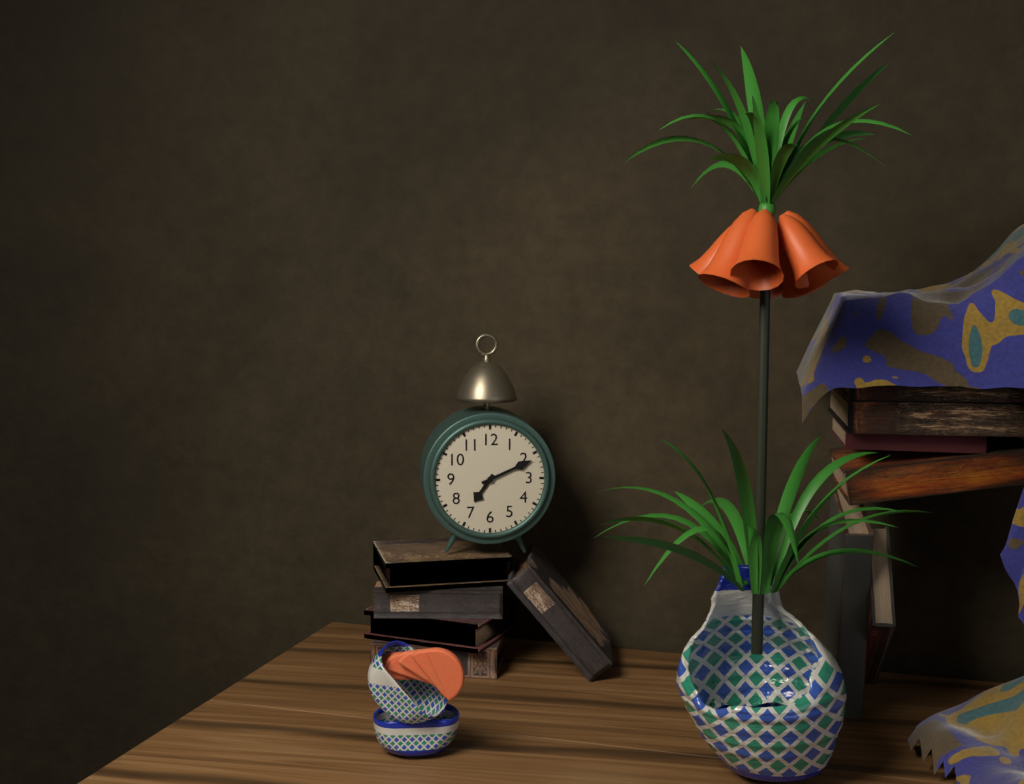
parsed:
**7:11**
